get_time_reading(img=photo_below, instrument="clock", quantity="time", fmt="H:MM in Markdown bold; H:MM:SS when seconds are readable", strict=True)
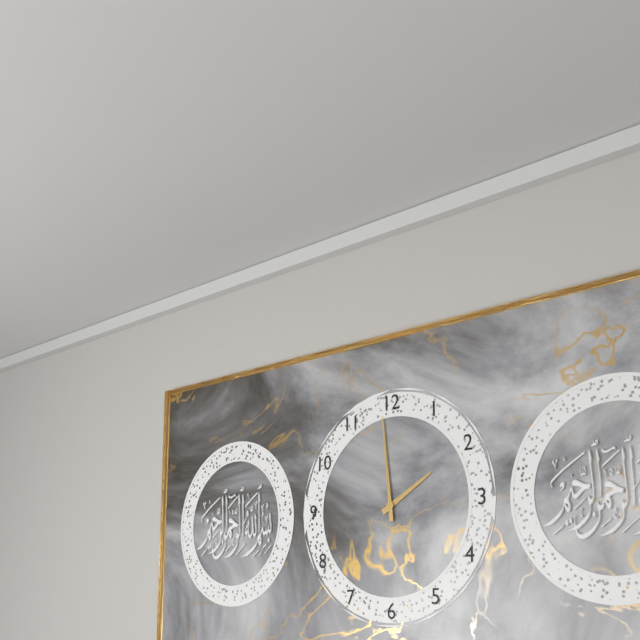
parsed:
**1:59**
